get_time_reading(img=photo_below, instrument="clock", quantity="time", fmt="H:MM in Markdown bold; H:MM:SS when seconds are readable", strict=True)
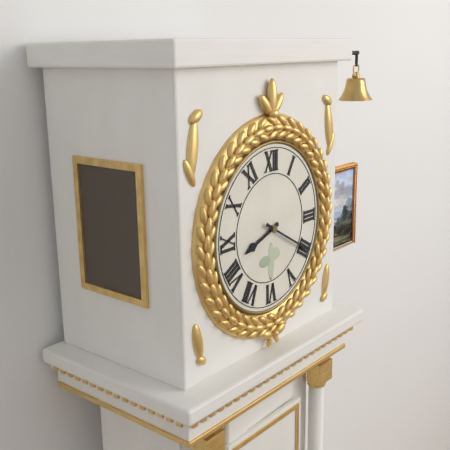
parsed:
**8:20**
